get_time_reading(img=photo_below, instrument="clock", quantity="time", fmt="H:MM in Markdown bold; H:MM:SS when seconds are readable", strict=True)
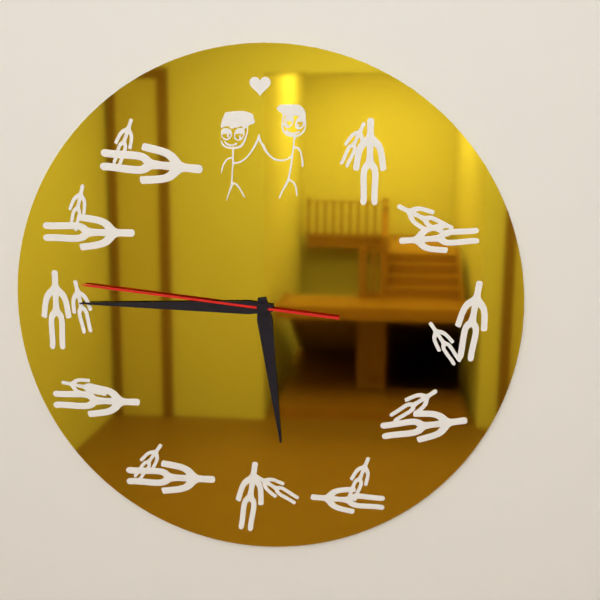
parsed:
**5:45:46**
